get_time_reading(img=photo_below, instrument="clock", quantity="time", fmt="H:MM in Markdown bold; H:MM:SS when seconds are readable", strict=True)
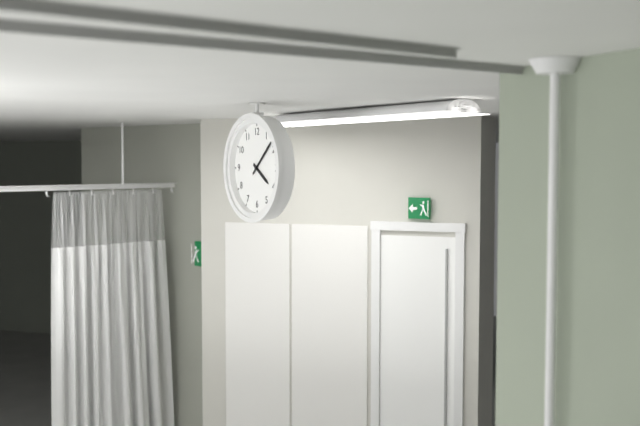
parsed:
**4:08**
